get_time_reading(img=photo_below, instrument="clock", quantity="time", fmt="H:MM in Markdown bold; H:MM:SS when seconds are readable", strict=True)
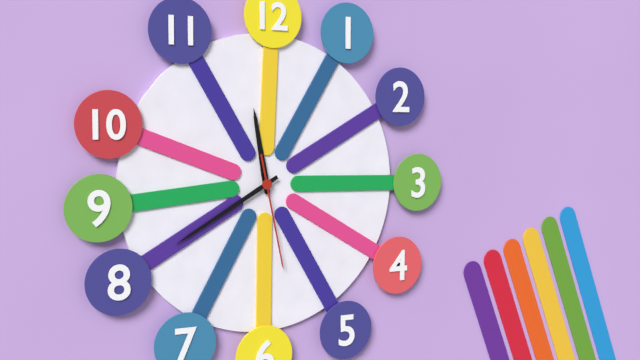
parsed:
**11:40:28**
